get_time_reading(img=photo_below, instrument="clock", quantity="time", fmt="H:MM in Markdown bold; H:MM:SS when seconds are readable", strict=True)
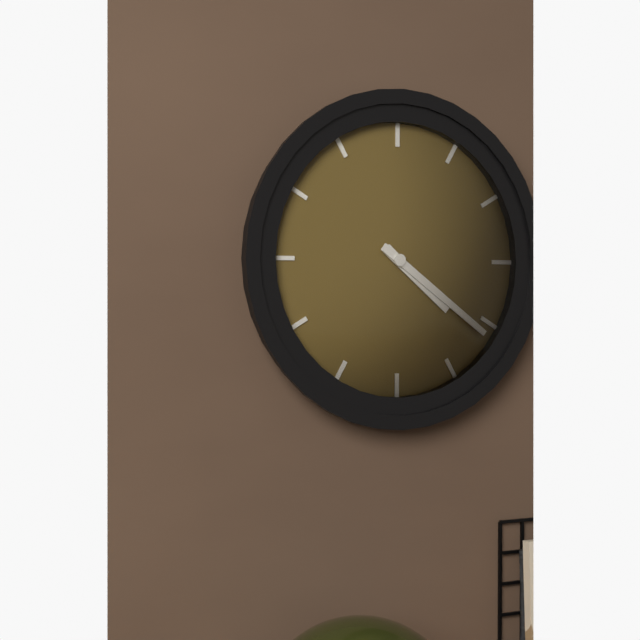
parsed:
**4:21**
